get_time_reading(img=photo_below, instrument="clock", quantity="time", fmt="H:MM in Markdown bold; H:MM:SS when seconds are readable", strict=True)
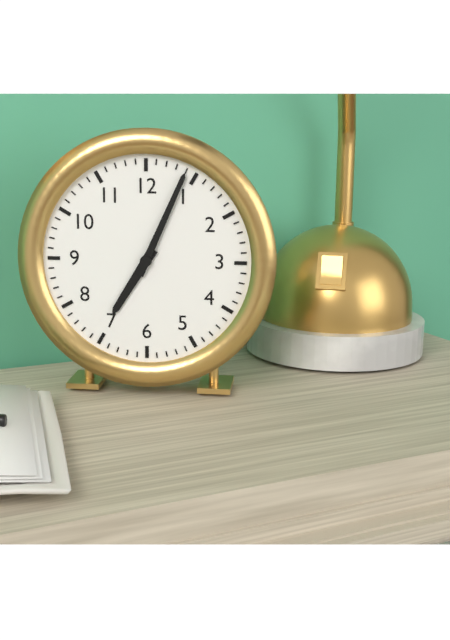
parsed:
**7:04**
